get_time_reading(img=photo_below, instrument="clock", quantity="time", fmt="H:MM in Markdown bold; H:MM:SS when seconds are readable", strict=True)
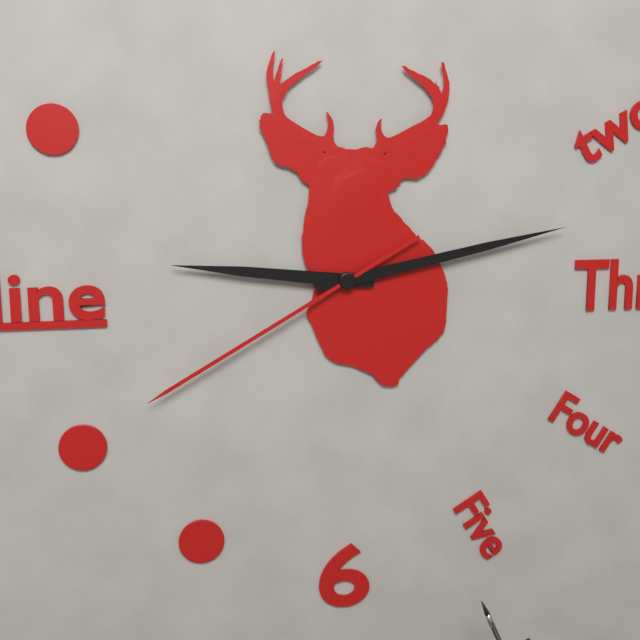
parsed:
**9:13:40**
